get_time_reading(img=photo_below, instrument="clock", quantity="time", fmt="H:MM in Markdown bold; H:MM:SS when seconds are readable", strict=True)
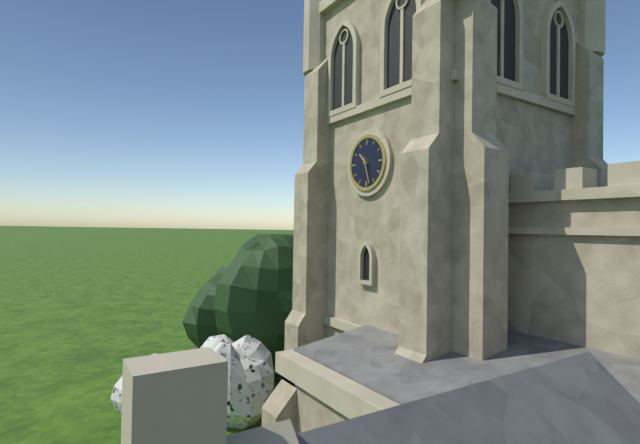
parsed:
**10:27**
